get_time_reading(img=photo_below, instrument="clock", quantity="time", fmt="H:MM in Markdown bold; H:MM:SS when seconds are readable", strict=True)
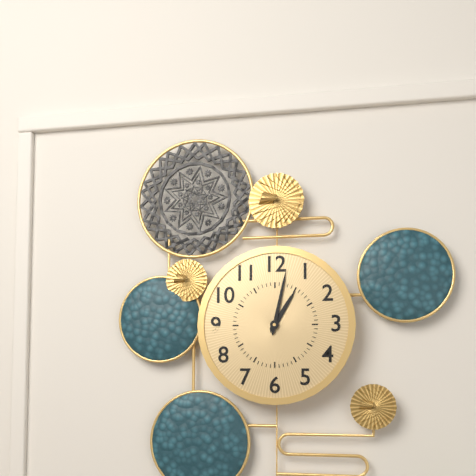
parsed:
**1:02**
